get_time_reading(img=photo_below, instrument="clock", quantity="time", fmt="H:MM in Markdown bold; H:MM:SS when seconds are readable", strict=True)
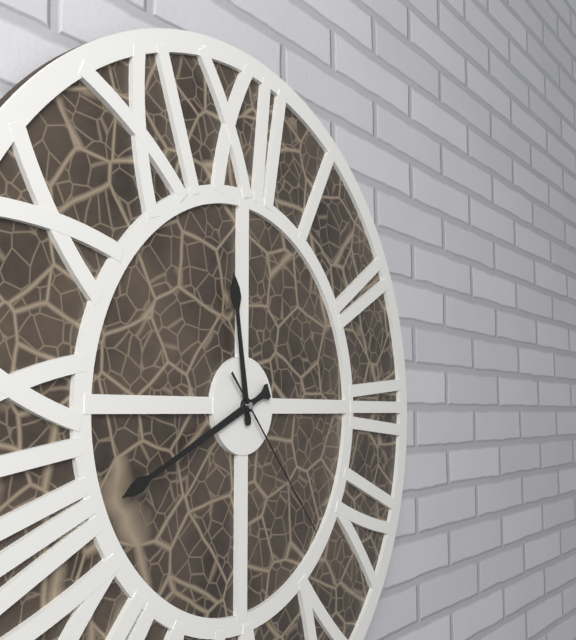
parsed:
**11:41:23**
